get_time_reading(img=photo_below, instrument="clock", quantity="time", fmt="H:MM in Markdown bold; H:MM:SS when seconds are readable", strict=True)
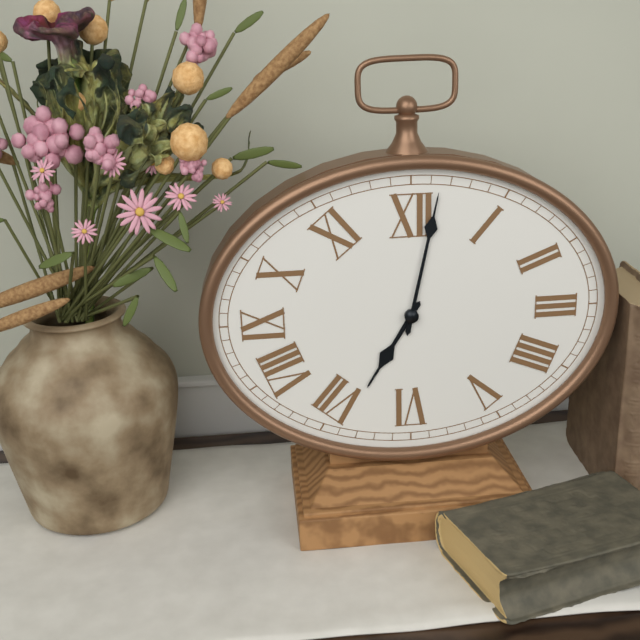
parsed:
**7:02**
